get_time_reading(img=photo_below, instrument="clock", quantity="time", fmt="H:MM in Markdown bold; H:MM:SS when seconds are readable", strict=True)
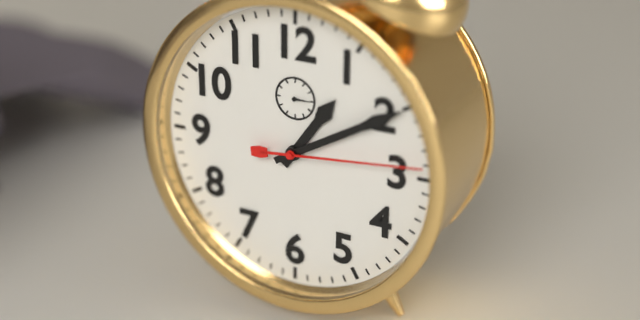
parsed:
**1:10:14**
